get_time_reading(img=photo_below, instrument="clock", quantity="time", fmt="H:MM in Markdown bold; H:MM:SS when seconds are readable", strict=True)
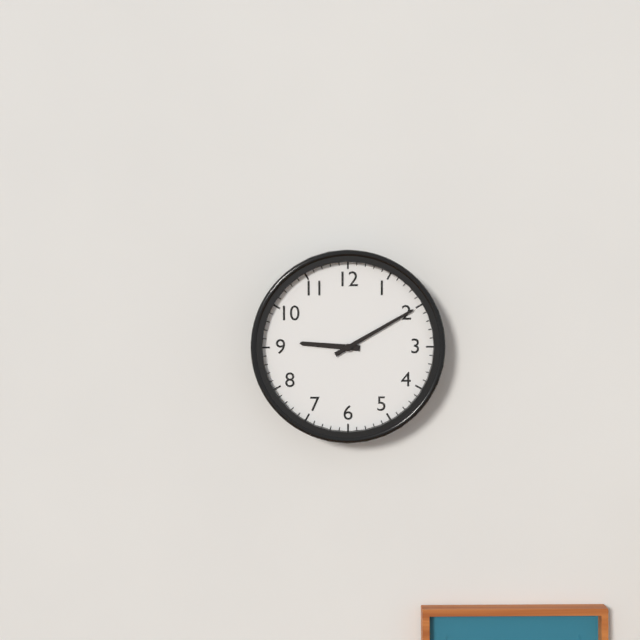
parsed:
**9:10**
